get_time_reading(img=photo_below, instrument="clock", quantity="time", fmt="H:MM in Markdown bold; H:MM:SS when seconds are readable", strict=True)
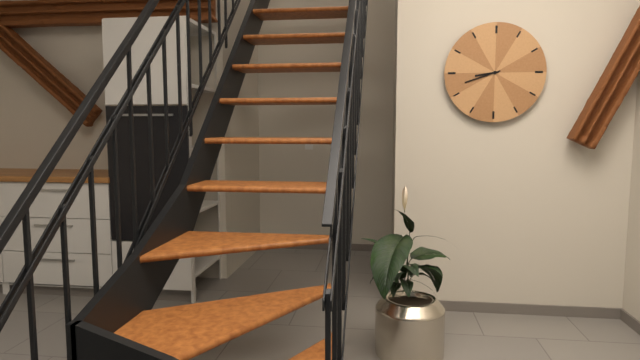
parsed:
**8:42**
